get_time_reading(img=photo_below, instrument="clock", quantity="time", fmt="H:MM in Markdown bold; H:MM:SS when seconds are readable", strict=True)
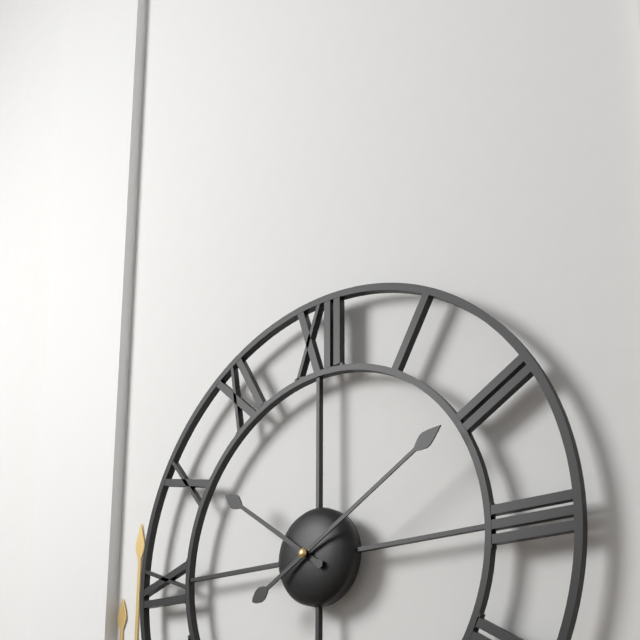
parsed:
**10:10**
